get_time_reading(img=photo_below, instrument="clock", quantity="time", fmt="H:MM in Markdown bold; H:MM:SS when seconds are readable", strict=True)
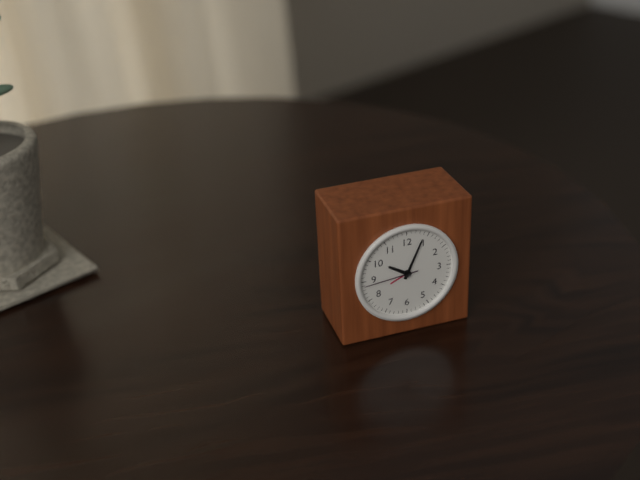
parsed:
**10:04:44**
